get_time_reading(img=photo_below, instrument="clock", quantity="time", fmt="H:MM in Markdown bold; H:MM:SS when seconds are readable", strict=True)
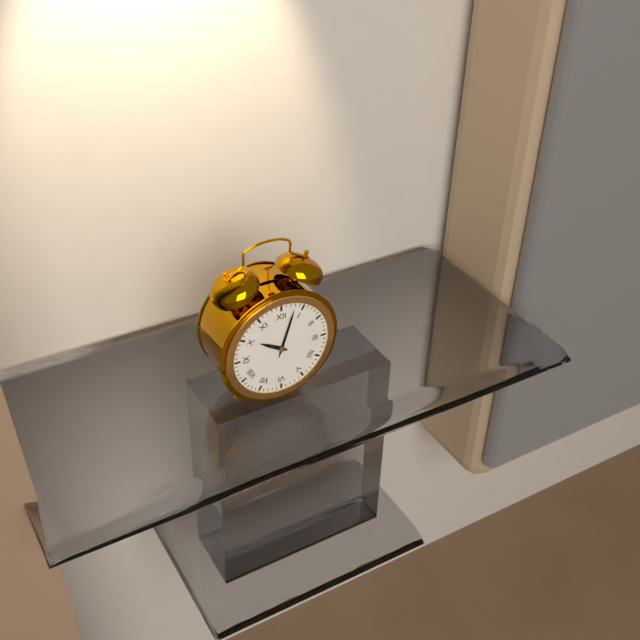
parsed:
**10:03**
